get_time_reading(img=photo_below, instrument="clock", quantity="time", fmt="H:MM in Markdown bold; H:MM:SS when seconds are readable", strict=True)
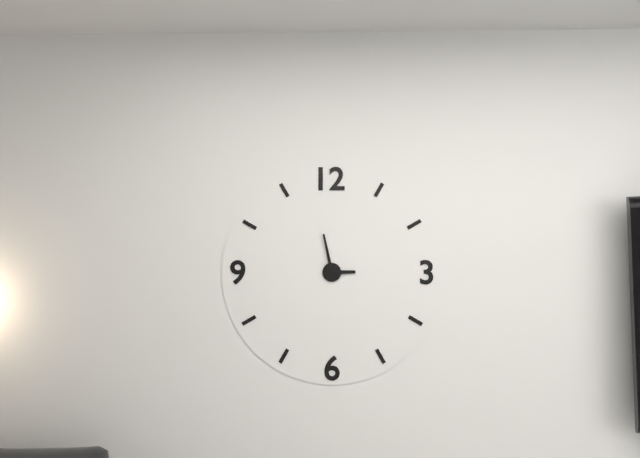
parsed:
**2:58**
